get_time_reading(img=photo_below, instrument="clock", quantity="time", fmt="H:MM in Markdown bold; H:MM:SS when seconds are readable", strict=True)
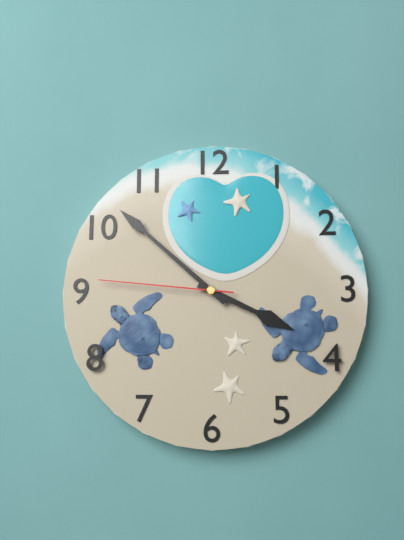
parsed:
**3:52:46**
